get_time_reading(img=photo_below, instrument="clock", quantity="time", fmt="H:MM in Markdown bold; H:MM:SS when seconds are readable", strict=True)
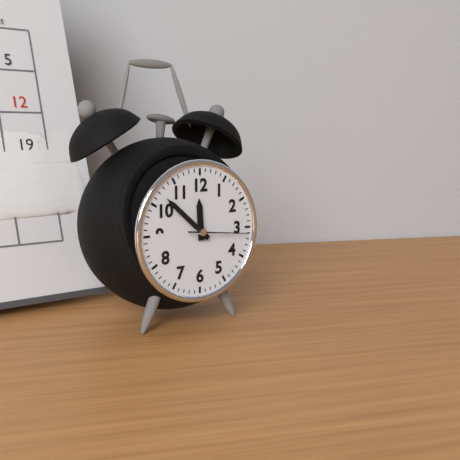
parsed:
**11:52:16**
